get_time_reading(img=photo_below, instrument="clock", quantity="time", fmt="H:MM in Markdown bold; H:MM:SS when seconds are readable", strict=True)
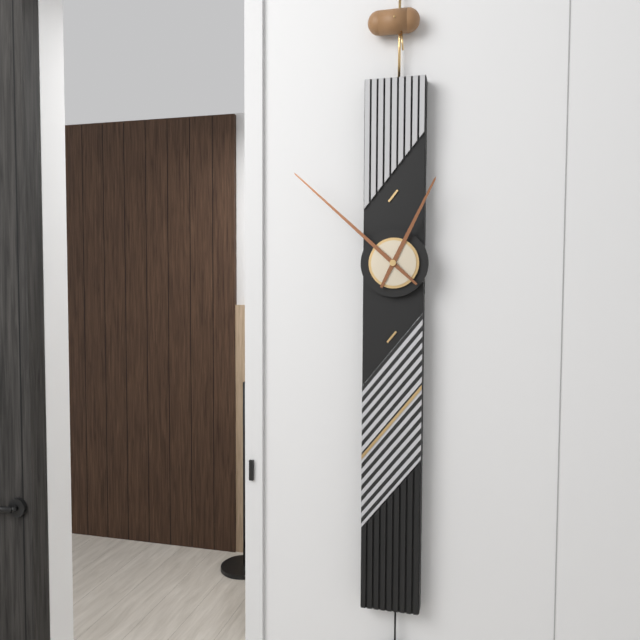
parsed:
**12:52**
